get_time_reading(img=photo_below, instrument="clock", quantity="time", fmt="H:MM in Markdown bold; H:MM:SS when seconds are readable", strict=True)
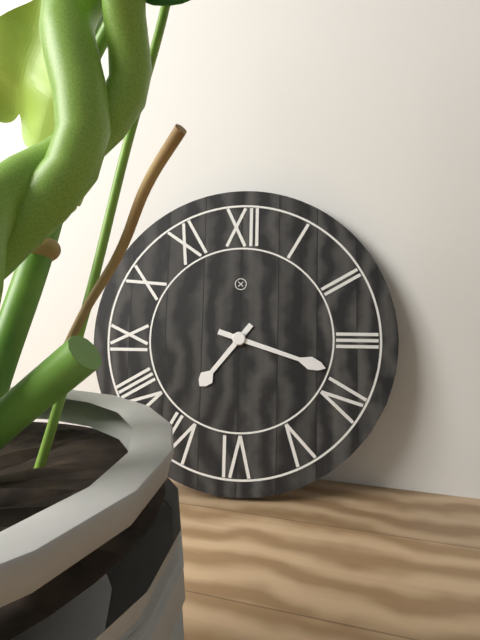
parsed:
**7:18**
